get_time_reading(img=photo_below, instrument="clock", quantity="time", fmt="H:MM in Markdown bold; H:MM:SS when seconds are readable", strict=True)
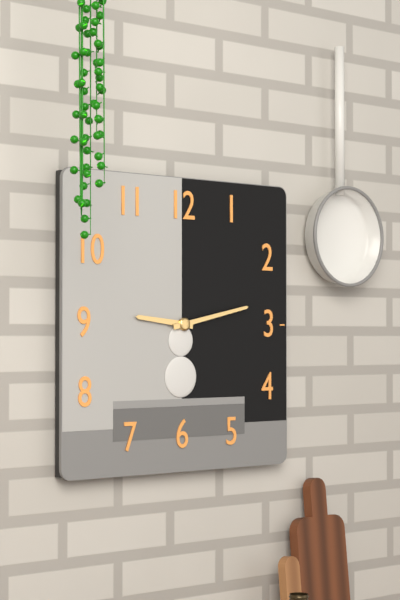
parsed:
**9:13**
